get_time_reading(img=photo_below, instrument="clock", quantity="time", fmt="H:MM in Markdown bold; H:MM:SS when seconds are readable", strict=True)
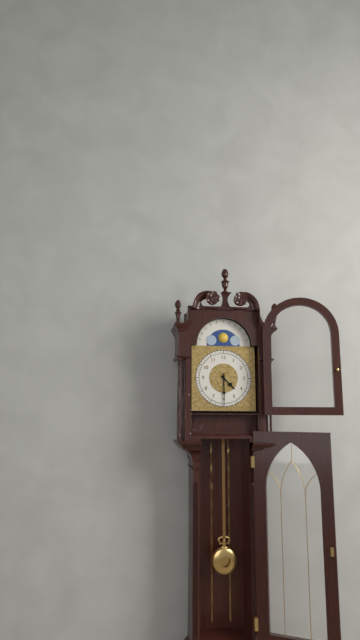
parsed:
**4:30**
